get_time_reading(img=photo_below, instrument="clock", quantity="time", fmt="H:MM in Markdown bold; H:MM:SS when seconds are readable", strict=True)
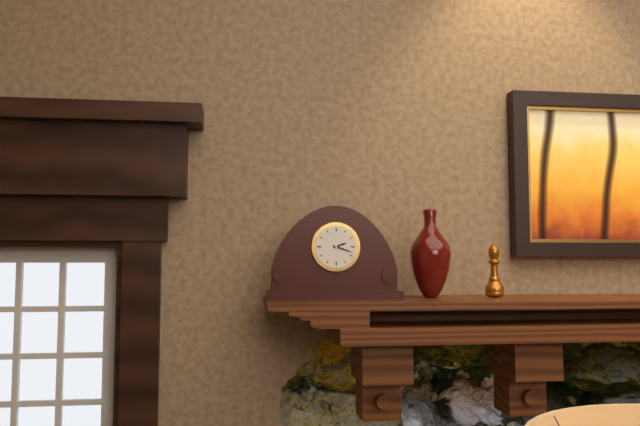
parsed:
**2:18**
